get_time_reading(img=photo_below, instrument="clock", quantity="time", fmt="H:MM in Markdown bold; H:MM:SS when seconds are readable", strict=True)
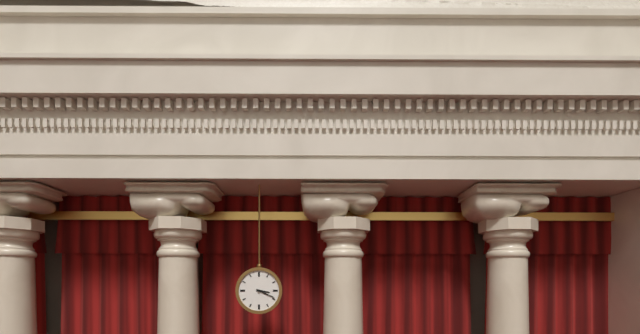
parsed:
**3:19**
